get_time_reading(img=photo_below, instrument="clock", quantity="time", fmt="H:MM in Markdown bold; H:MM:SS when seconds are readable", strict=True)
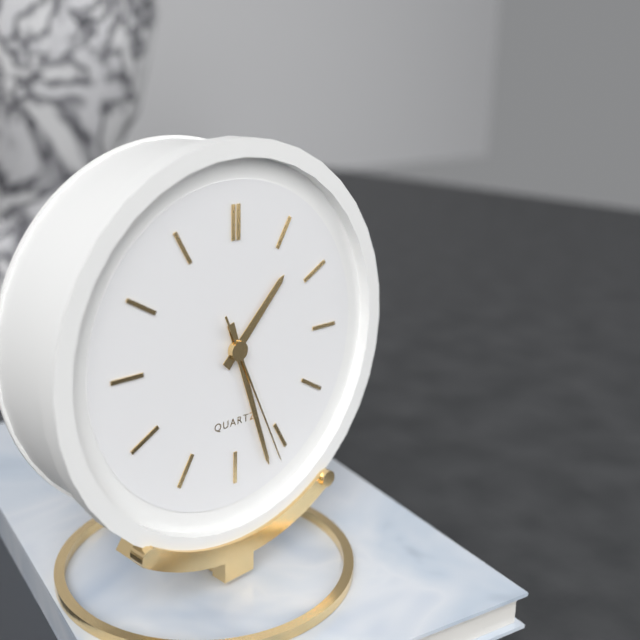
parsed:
**1:27:26**
